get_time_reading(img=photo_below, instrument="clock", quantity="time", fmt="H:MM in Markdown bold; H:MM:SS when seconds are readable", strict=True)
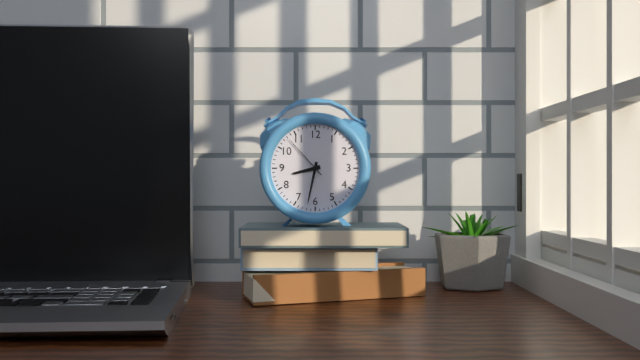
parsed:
**8:32**
